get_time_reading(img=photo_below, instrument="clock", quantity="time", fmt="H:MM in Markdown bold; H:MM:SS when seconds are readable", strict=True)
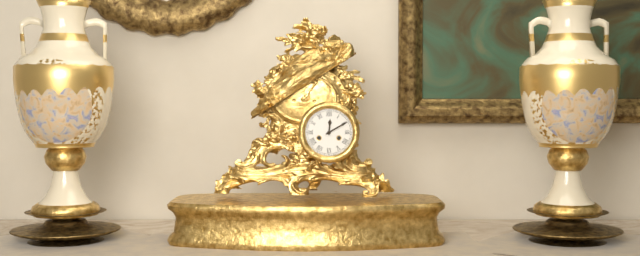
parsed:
**12:10**
